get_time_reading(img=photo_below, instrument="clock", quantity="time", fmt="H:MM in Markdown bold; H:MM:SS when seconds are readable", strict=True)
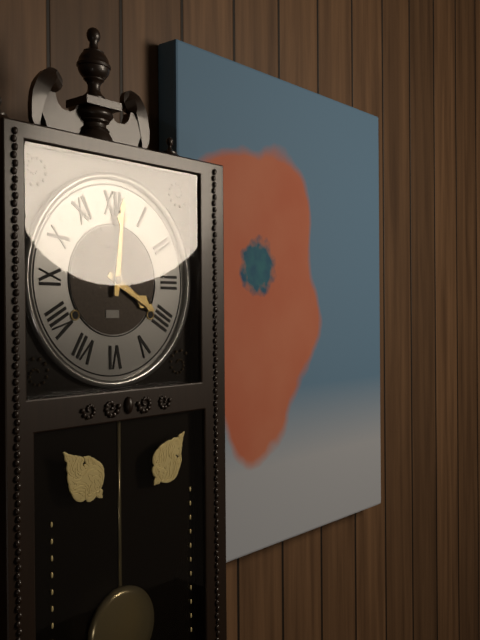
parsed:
**4:01**
